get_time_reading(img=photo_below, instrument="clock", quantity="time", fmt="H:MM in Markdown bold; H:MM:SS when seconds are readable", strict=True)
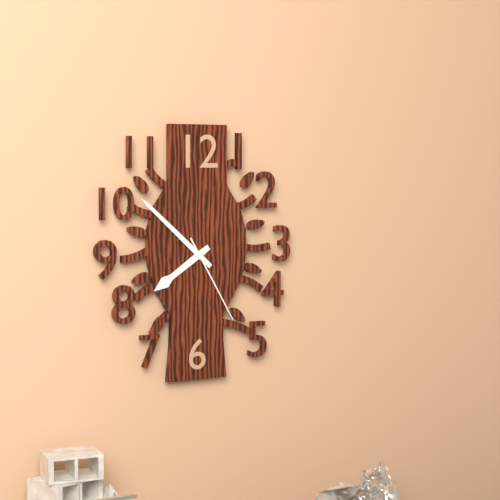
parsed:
**7:52:25**
